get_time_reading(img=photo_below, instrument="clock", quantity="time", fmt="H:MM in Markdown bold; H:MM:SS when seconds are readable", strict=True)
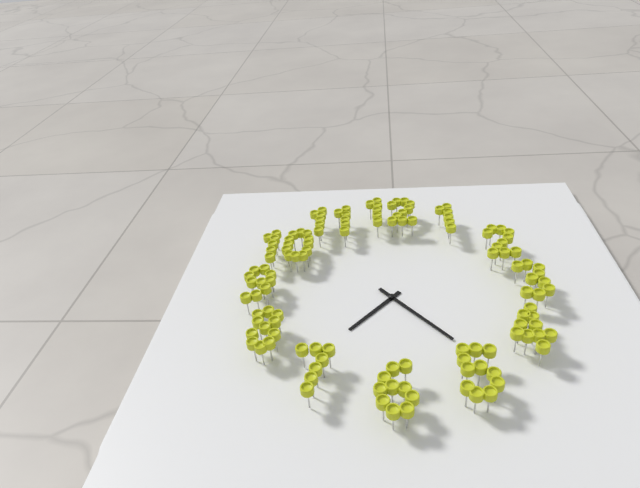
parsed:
**7:23**
